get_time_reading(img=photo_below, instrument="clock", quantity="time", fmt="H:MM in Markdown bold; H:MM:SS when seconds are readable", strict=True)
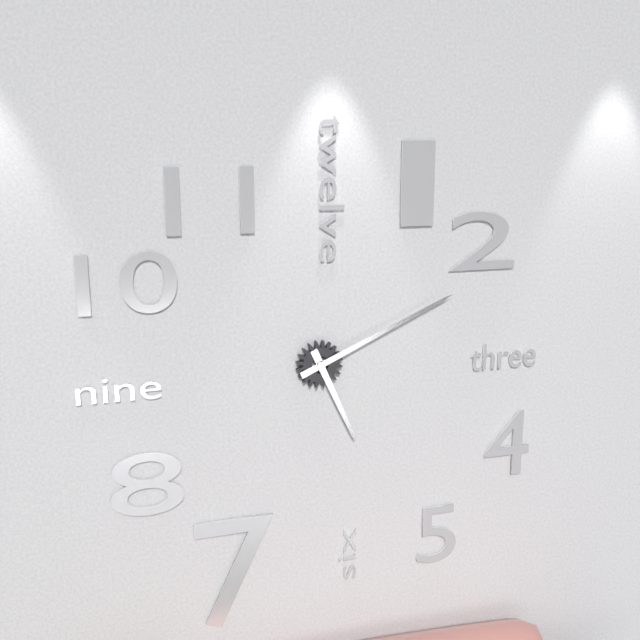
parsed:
**5:11**
